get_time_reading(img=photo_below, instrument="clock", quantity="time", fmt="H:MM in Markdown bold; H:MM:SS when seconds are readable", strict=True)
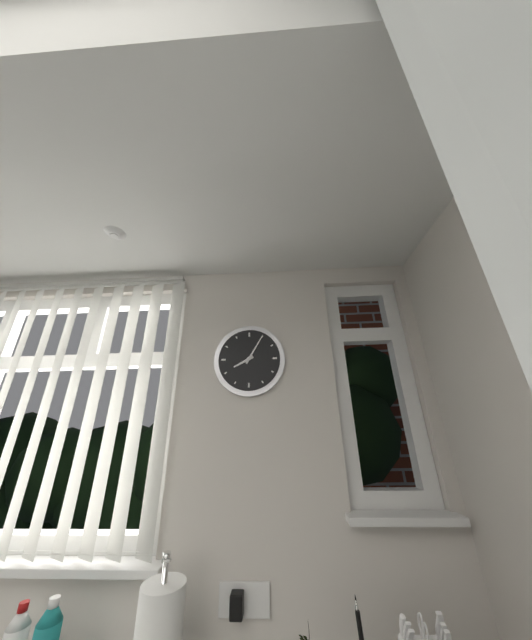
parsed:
**8:05**
